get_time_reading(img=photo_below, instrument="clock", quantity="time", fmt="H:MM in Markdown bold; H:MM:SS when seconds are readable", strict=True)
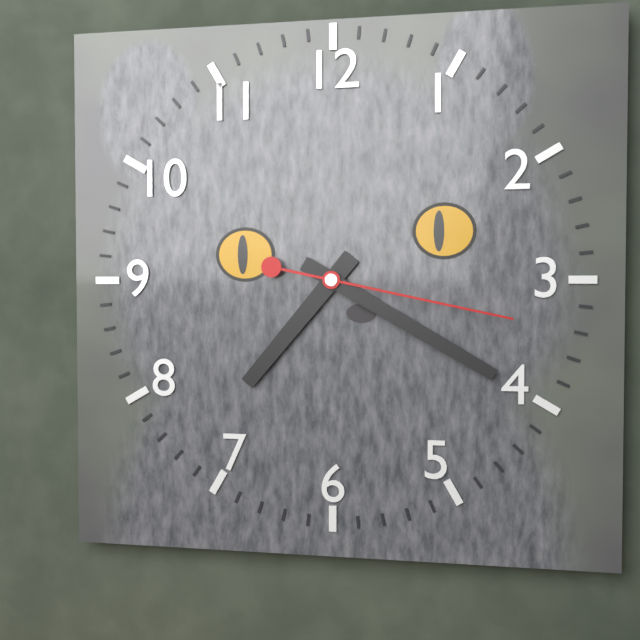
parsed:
**7:20:17**
